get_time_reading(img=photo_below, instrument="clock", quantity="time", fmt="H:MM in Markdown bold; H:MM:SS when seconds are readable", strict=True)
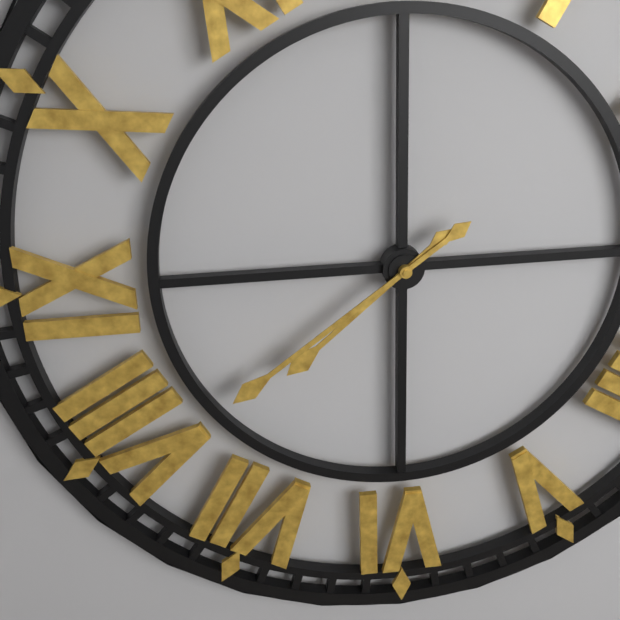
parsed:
**7:39**
